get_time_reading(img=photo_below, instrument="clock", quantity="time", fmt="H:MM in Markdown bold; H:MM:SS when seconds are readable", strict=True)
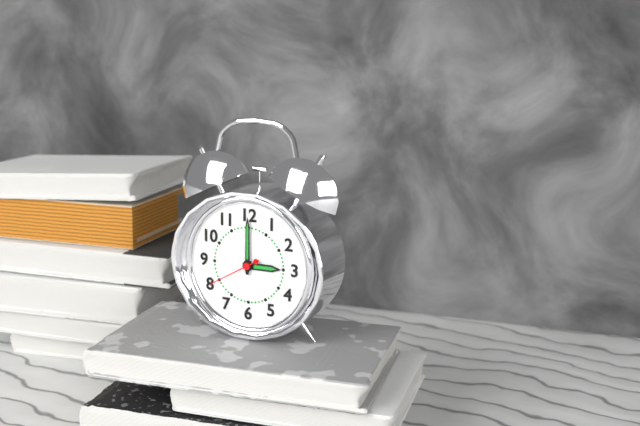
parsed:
**3:00:40**
